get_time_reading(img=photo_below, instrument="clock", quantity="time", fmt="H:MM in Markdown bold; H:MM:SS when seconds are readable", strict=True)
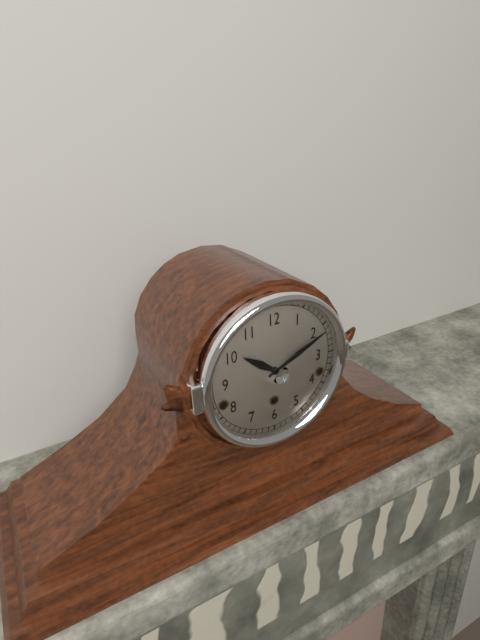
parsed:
**10:11**
